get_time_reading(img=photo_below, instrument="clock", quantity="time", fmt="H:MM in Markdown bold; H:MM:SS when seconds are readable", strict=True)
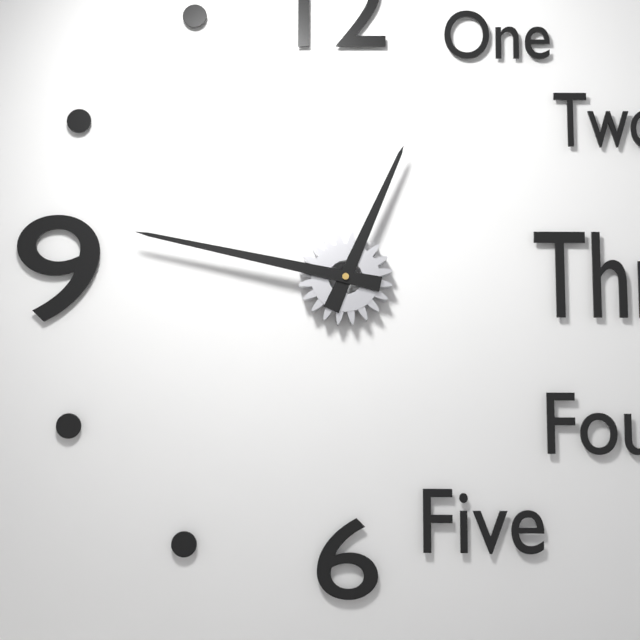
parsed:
**12:47**
